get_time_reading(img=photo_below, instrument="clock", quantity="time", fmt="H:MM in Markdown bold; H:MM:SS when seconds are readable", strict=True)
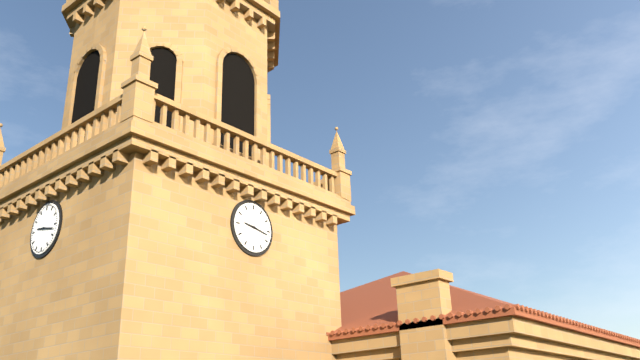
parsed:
**9:17**
